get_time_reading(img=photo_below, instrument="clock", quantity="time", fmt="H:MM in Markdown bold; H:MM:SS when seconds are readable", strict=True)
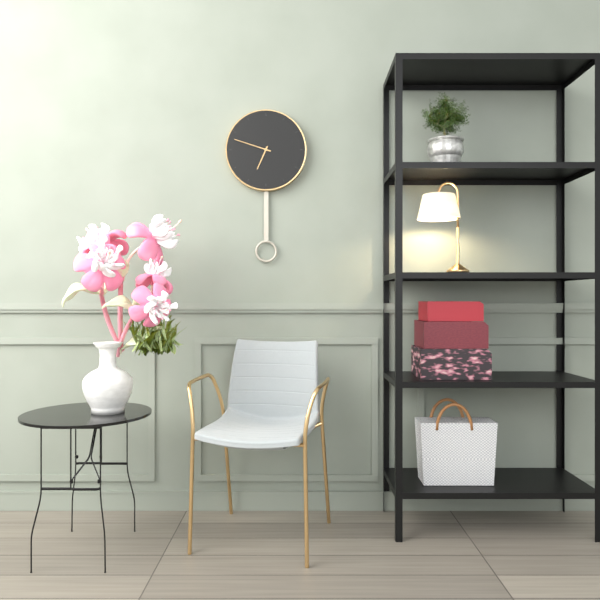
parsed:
**6:48**
